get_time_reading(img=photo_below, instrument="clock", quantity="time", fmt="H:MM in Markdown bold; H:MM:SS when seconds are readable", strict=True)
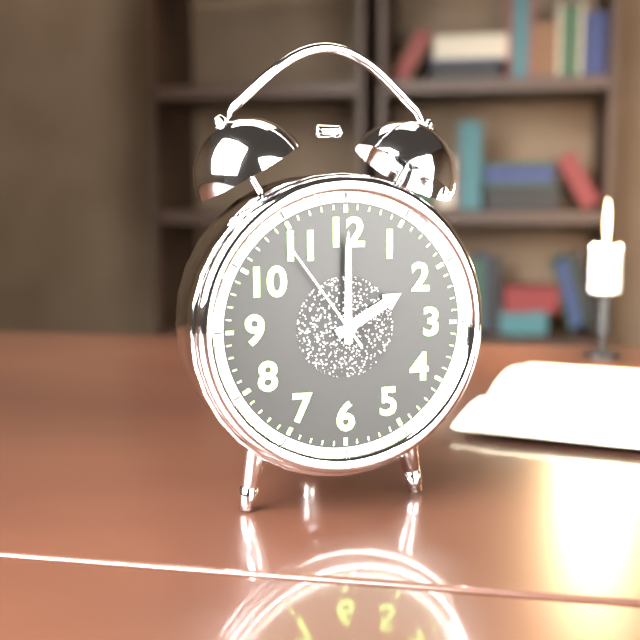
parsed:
**2:00:54**
